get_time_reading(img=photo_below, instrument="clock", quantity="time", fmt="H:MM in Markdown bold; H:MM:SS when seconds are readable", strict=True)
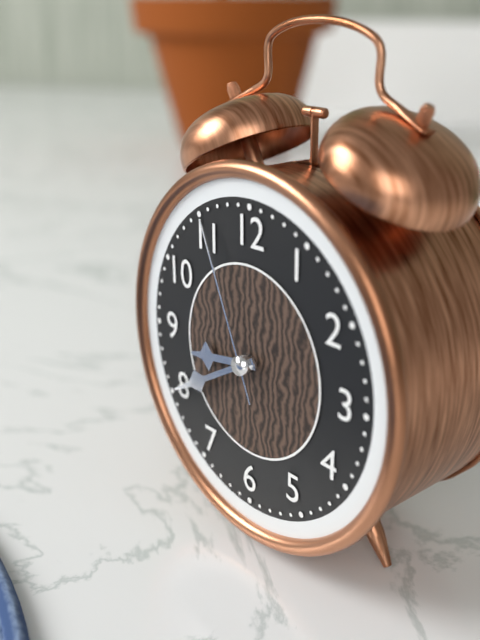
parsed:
**8:40:56**
